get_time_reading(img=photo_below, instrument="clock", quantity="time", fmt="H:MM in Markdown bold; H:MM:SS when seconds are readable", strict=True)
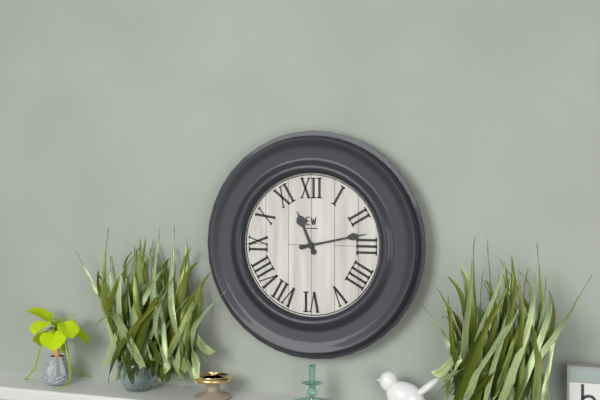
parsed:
**11:13**
